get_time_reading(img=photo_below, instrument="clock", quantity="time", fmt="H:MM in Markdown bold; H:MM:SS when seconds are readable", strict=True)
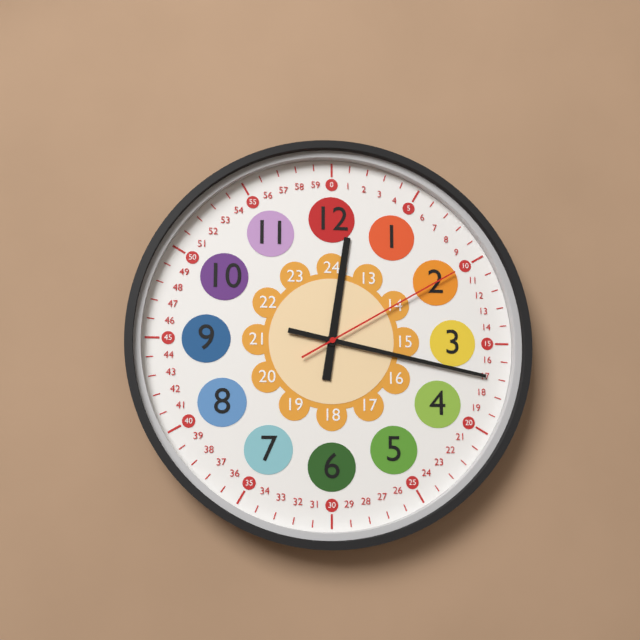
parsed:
**12:17:10**
